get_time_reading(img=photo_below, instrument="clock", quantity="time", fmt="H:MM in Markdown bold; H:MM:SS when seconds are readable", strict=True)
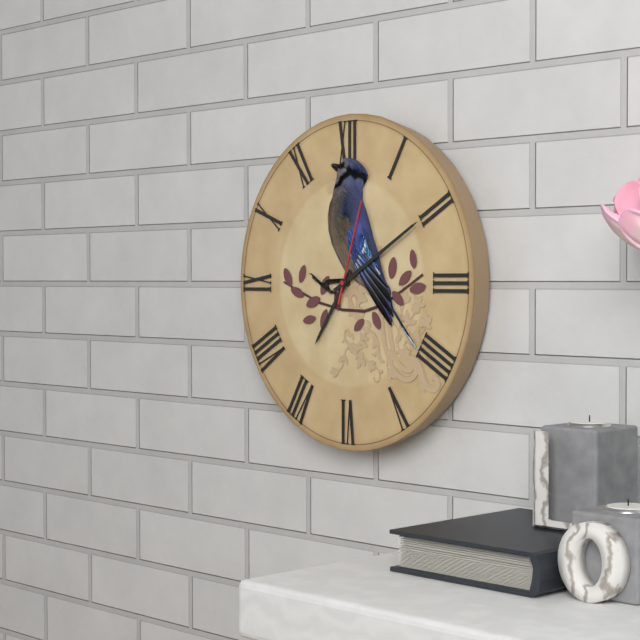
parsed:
**7:10:03**
